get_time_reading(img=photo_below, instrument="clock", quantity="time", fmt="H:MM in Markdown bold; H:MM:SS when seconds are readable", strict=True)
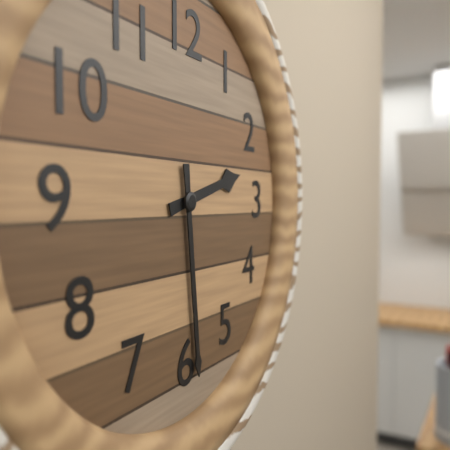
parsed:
**2:29**
